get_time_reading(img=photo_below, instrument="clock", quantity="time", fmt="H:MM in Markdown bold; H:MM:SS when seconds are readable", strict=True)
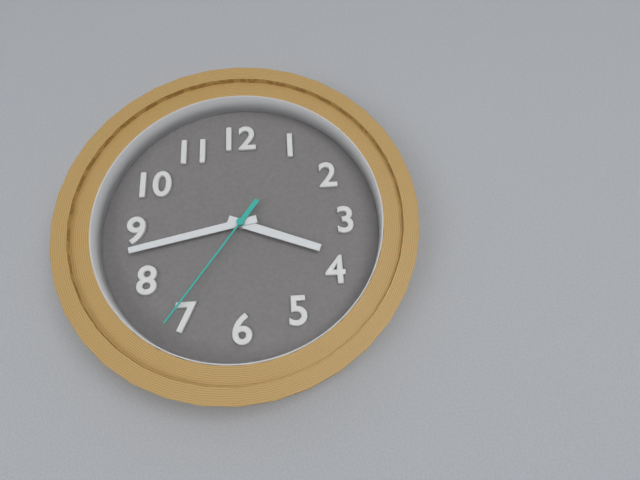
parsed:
**3:43:36**
